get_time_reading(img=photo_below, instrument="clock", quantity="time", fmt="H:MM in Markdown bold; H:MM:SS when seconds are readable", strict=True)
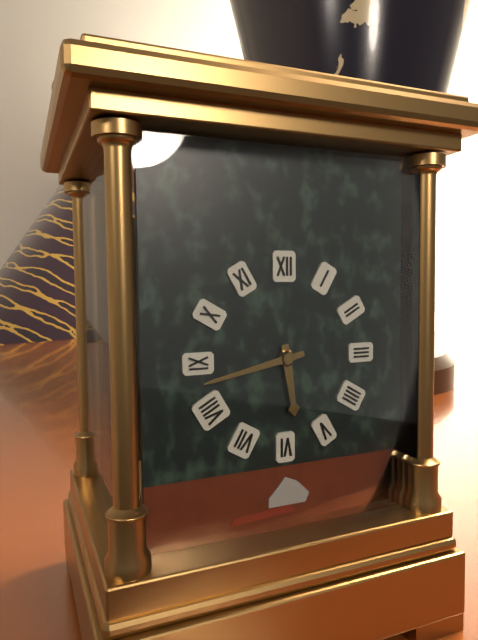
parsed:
**5:43**
